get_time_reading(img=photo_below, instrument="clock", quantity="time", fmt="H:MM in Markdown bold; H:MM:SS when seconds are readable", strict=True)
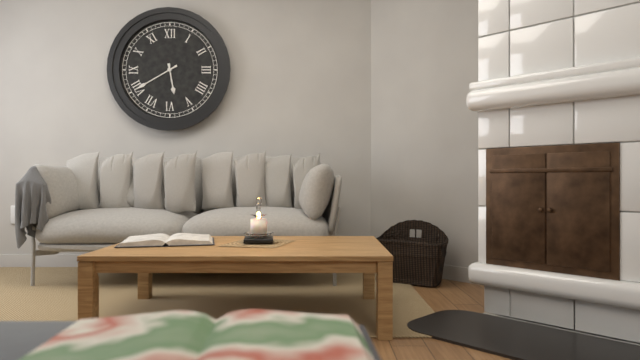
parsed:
**5:40**
